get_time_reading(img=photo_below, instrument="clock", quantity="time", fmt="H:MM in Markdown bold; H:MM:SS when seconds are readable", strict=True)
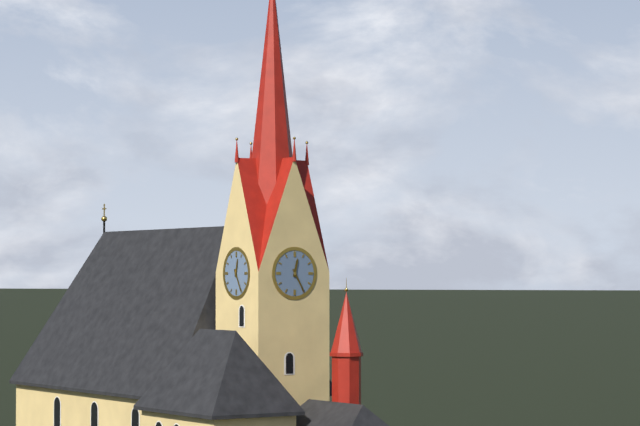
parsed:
**12:25**
